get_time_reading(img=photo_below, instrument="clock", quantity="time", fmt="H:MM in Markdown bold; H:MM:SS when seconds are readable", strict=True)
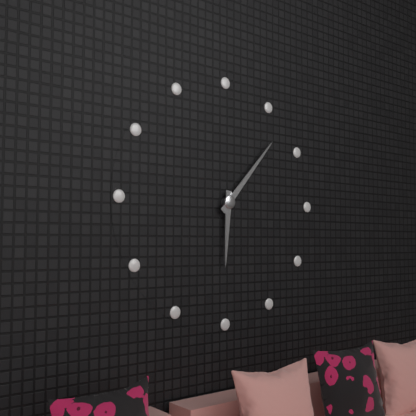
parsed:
**6:07**
